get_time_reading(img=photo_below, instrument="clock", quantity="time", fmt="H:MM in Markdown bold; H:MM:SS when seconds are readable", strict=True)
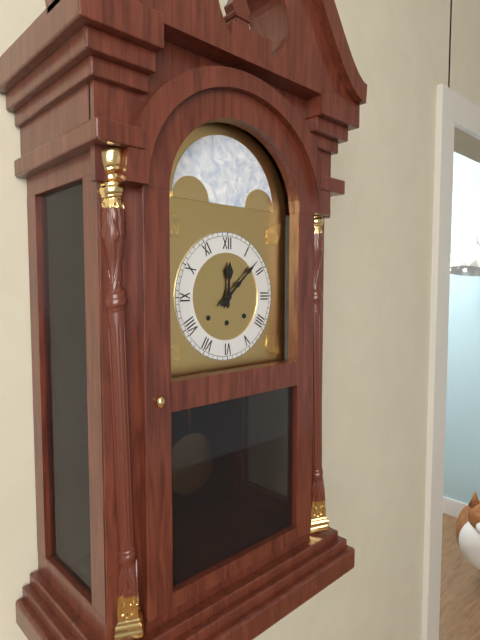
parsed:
**12:08**
